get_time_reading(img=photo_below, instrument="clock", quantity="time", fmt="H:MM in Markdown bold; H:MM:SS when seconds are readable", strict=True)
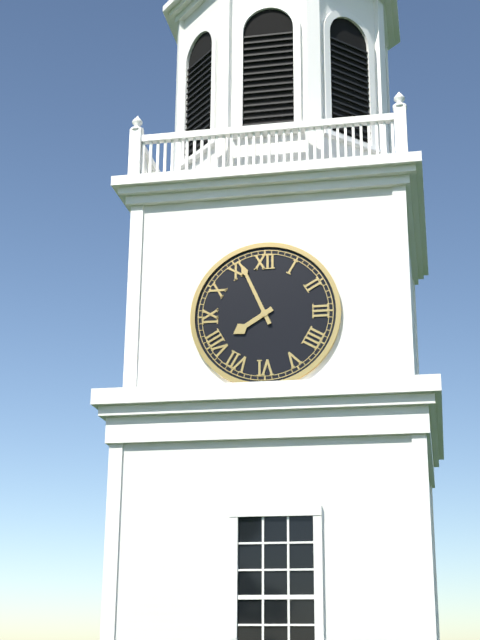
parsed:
**7:56**
